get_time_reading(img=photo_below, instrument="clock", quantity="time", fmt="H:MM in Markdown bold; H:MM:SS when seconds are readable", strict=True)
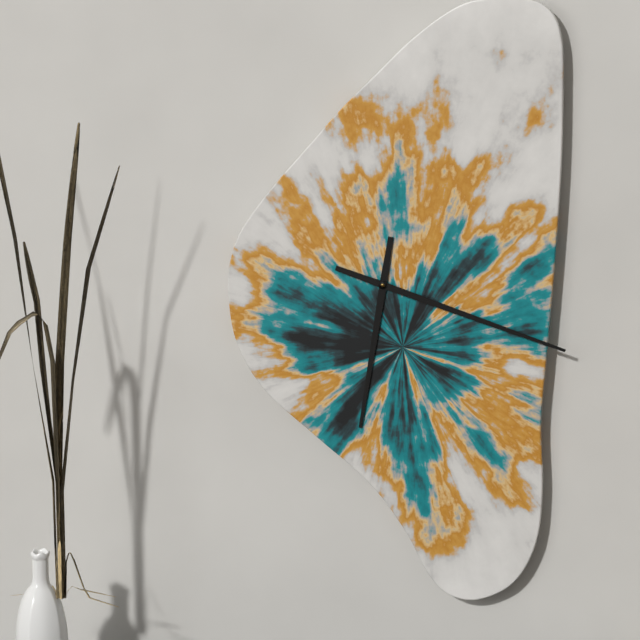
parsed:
**6:18**
